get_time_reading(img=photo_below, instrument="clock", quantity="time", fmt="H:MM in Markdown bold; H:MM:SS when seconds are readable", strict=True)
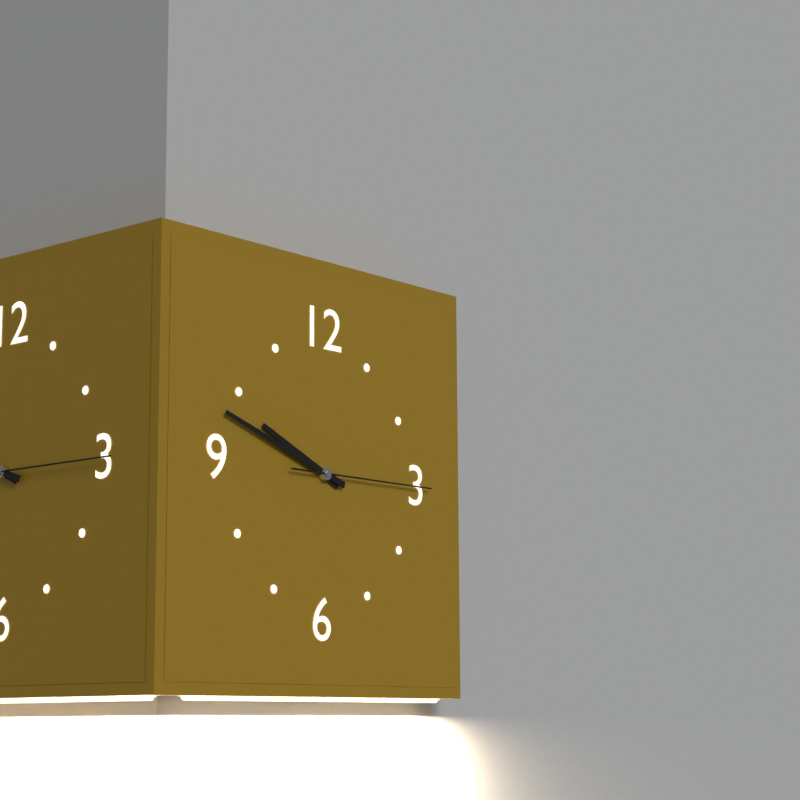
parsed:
**9:48:15**
